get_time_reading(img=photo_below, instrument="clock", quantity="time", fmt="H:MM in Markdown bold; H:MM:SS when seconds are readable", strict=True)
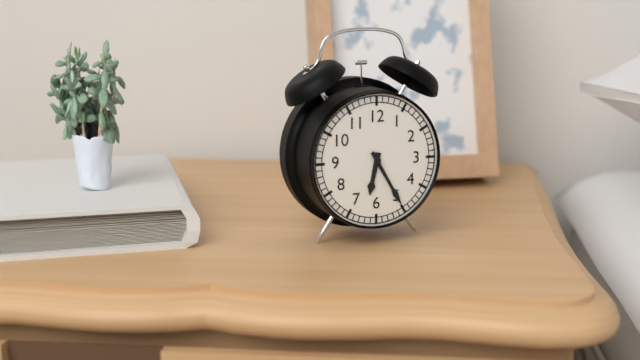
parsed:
**6:25**
